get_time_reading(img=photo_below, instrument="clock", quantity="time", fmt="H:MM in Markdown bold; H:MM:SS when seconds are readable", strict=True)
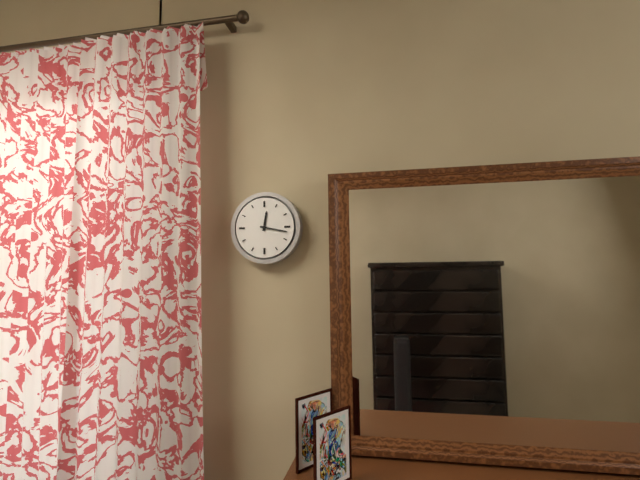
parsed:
**12:17**
